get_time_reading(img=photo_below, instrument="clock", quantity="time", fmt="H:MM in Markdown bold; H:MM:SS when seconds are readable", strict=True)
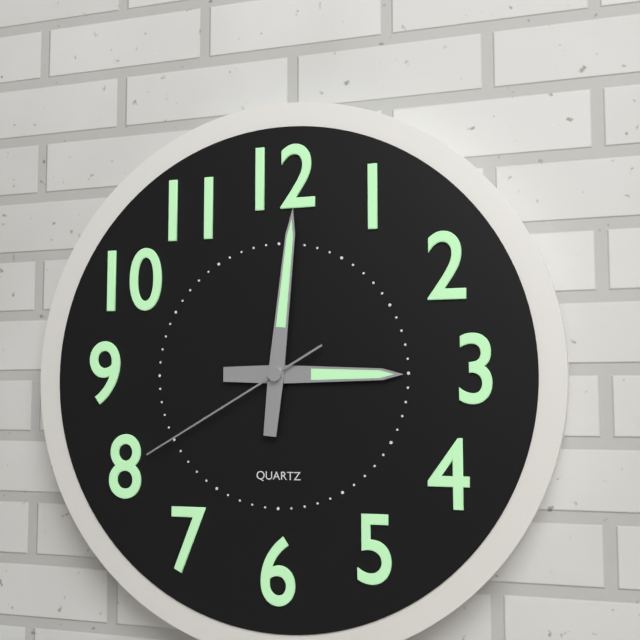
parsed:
**3:01:40**
